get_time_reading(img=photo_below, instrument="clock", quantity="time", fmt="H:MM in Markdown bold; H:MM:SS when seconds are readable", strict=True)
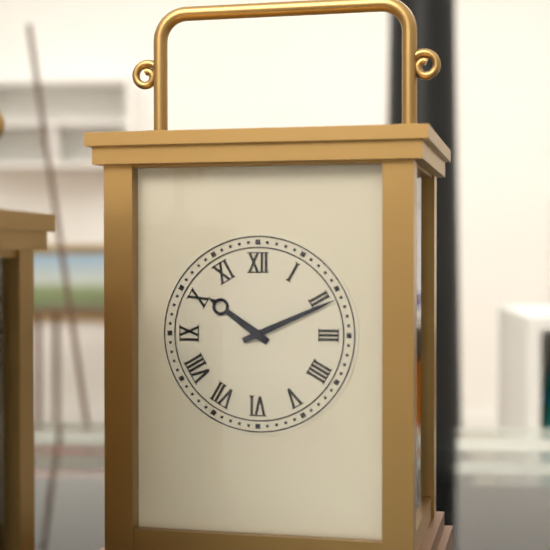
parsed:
**10:11**
